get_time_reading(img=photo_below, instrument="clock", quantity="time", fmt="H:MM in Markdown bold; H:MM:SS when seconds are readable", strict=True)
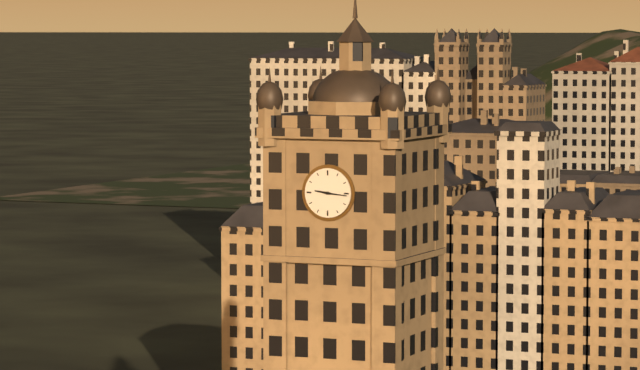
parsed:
**9:16**
